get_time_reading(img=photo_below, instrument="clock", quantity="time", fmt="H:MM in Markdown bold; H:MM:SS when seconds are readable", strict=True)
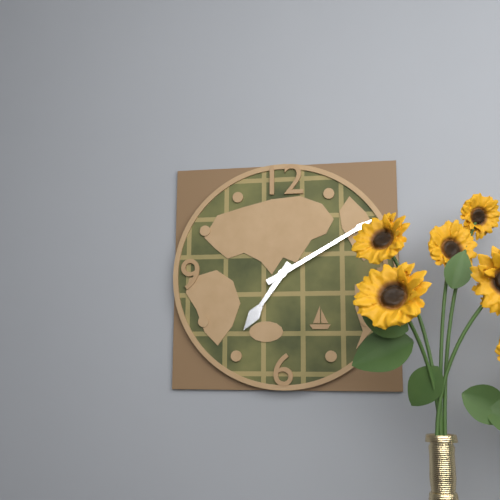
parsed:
**7:10**
